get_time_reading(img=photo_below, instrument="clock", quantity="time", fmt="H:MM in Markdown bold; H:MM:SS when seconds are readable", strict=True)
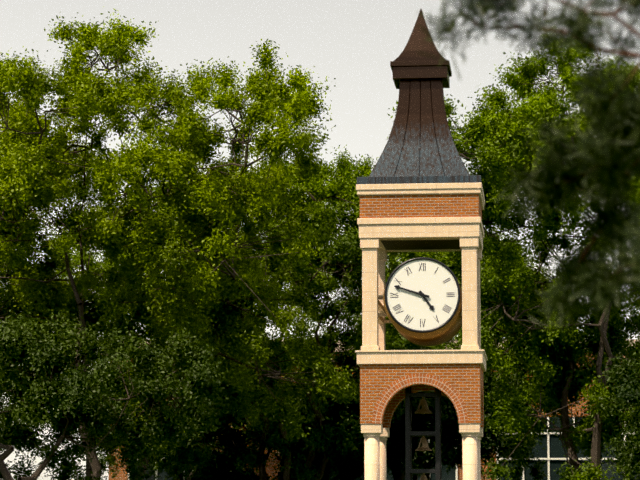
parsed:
**4:48**
